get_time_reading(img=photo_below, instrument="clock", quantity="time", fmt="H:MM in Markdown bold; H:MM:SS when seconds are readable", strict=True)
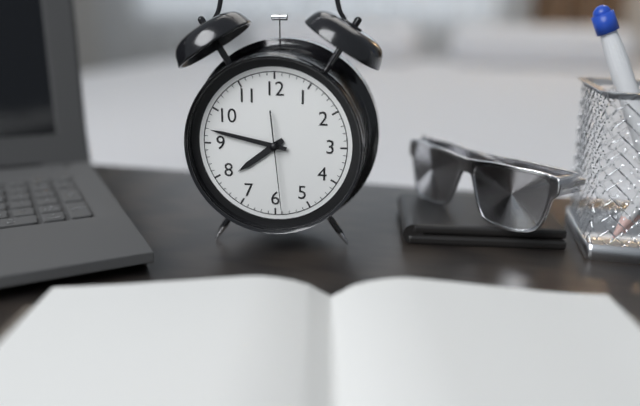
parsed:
**7:47:29**
